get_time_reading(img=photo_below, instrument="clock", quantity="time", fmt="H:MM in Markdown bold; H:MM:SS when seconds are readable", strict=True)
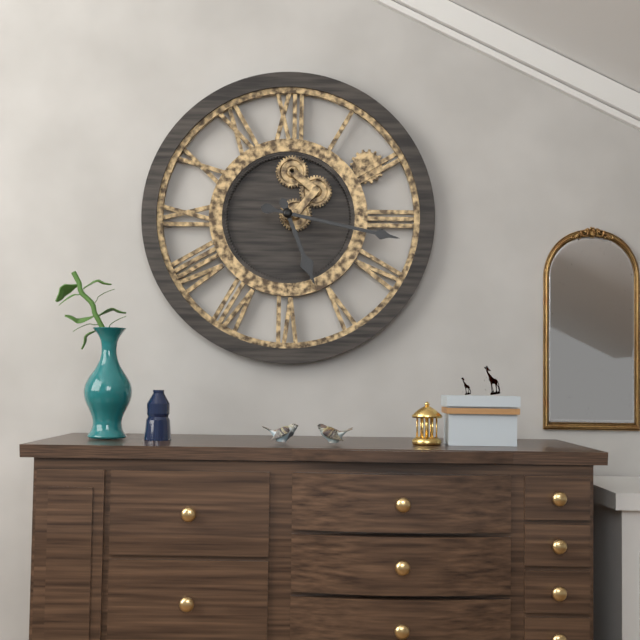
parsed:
**5:17**
